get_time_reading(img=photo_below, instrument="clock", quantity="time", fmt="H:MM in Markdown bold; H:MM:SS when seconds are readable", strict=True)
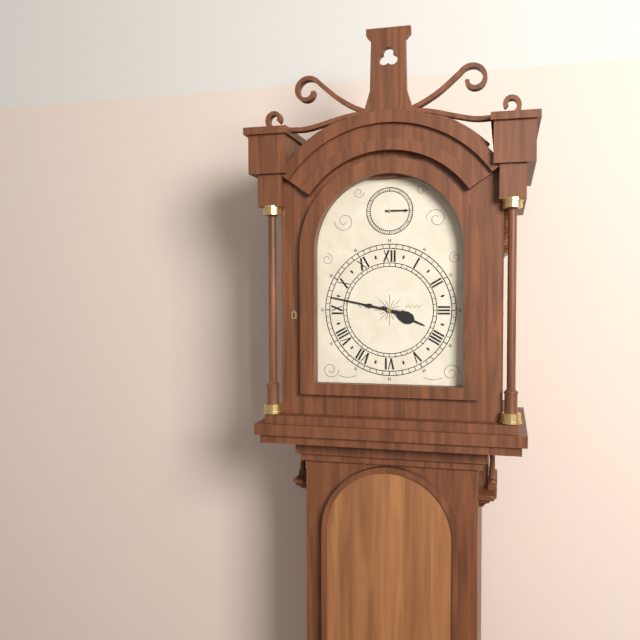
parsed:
**3:47**
